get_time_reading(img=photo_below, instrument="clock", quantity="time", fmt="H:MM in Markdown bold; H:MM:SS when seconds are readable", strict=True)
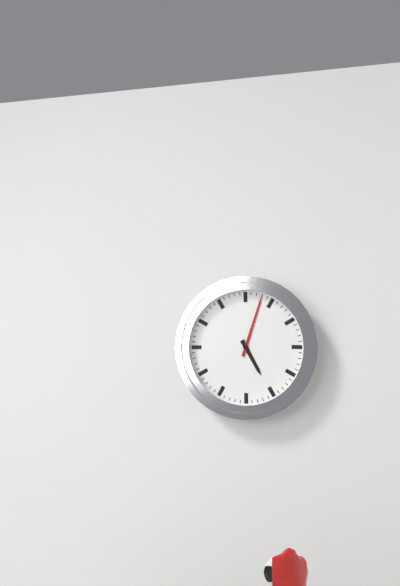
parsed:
**5:03**
